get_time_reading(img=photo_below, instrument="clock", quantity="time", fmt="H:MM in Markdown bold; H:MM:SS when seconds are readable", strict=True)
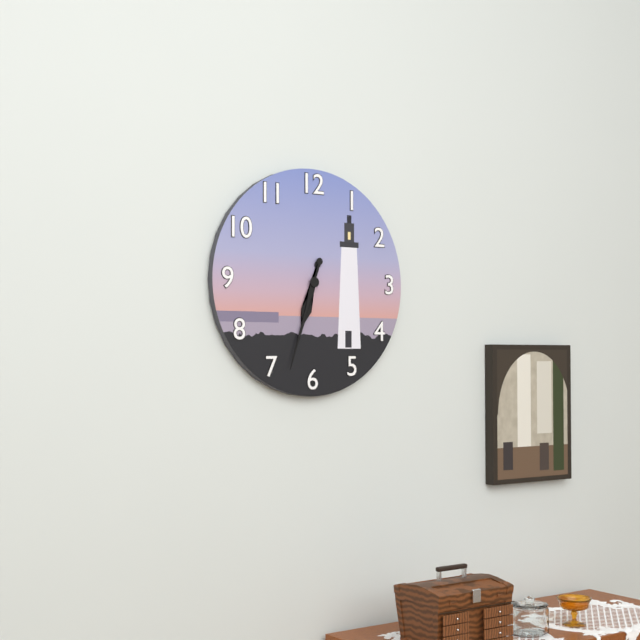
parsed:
**6:33**
